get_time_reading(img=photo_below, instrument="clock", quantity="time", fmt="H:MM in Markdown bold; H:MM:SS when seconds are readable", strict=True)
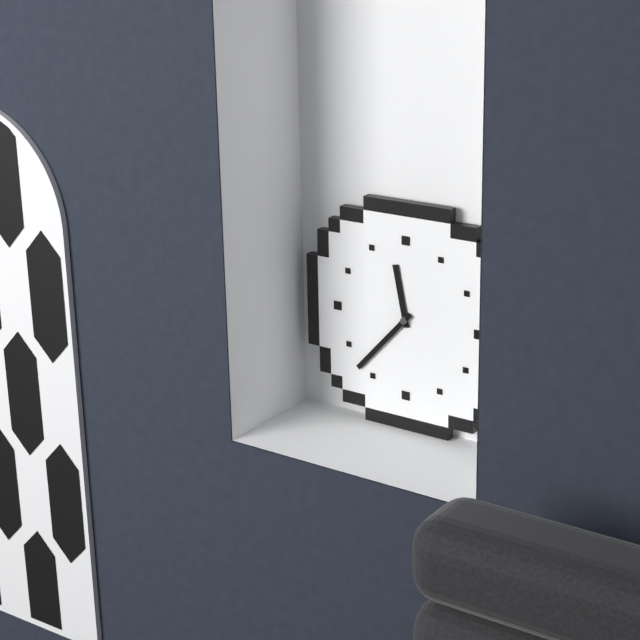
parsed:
**11:37**
